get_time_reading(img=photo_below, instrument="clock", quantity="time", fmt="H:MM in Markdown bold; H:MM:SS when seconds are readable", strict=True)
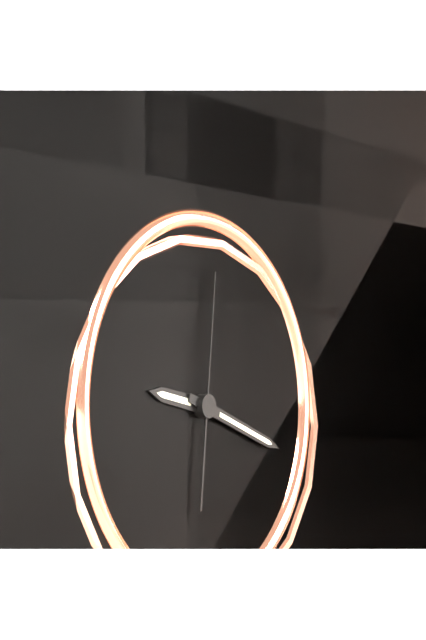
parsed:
**9:18:01**
